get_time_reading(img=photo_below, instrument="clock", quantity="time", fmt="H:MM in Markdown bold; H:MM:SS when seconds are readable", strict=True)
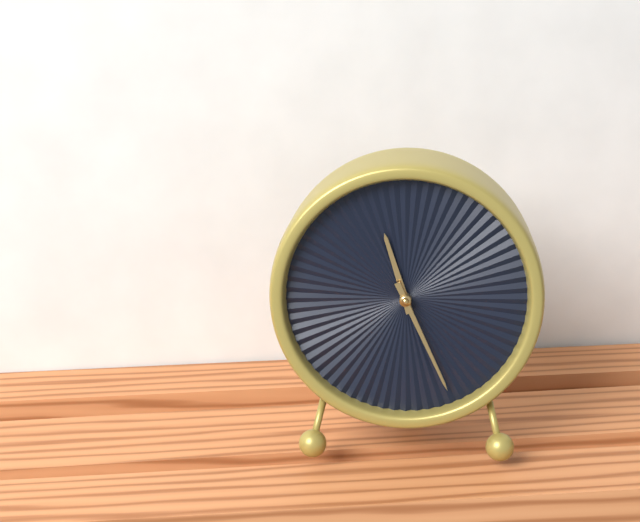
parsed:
**11:26**
